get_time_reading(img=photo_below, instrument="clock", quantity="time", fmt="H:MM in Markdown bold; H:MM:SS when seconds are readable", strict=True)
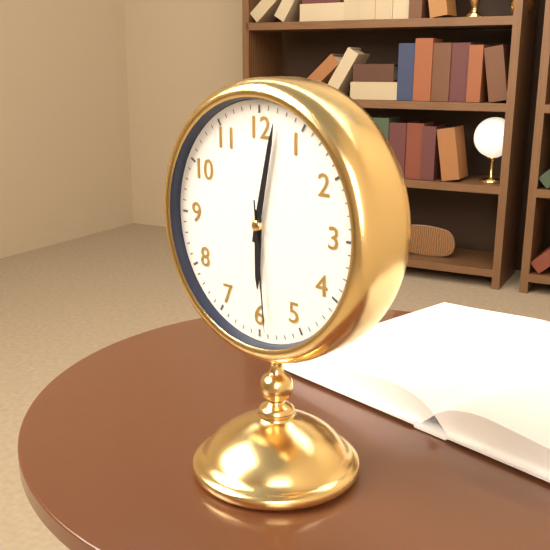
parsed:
**6:02:29**
